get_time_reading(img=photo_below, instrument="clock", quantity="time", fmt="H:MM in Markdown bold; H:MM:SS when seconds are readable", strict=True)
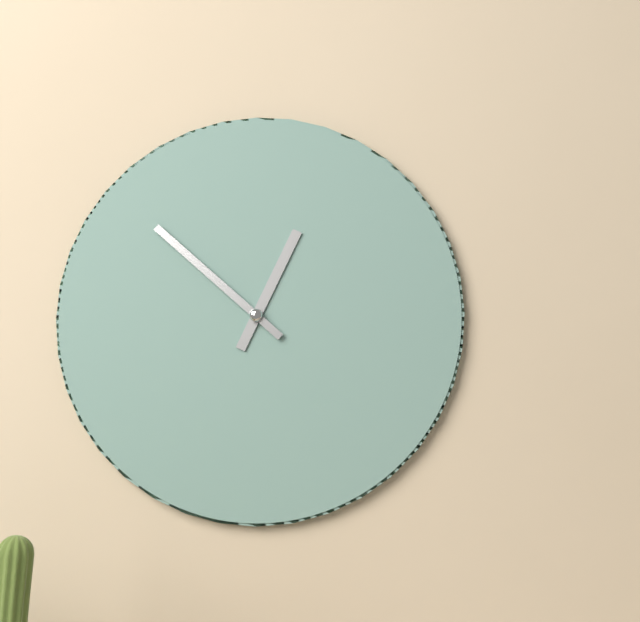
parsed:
**12:52**
